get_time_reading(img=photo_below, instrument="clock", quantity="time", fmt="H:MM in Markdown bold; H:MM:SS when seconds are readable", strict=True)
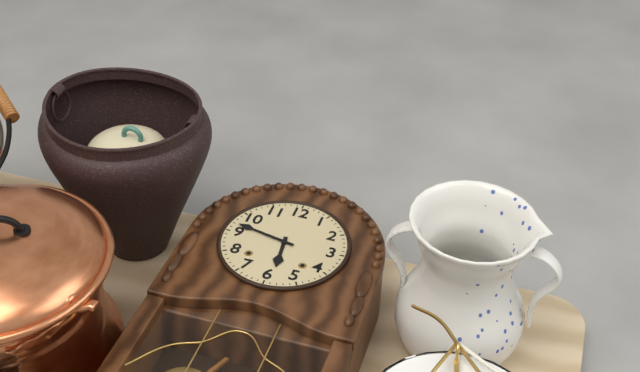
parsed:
**5:47**
